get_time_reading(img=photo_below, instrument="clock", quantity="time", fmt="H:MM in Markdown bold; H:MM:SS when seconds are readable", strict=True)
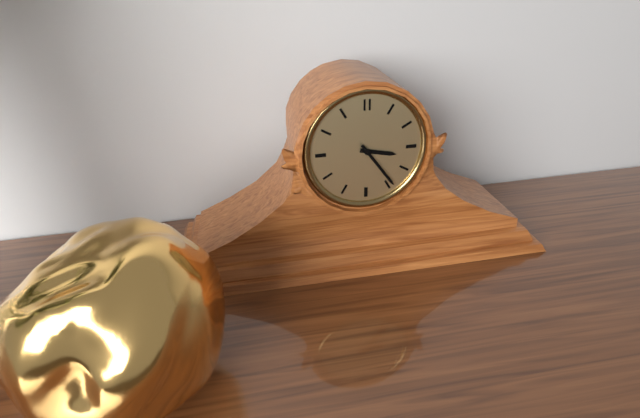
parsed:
**3:24**
